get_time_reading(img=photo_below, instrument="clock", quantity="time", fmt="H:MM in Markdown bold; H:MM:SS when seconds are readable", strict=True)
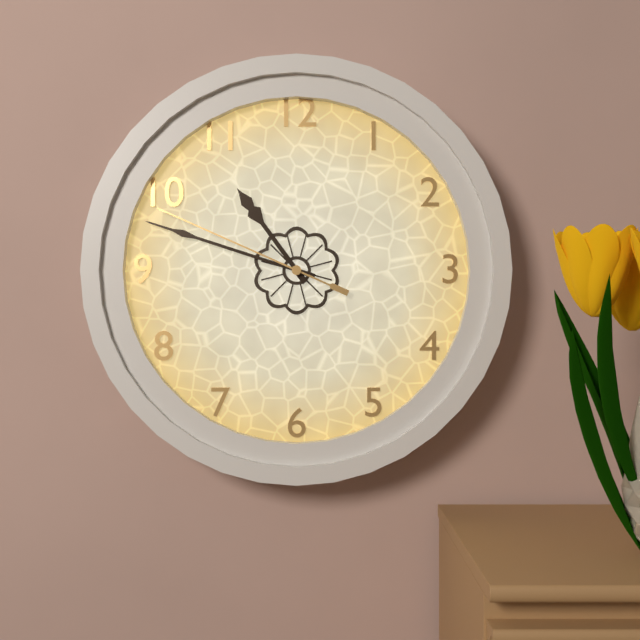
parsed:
**10:48:49**
